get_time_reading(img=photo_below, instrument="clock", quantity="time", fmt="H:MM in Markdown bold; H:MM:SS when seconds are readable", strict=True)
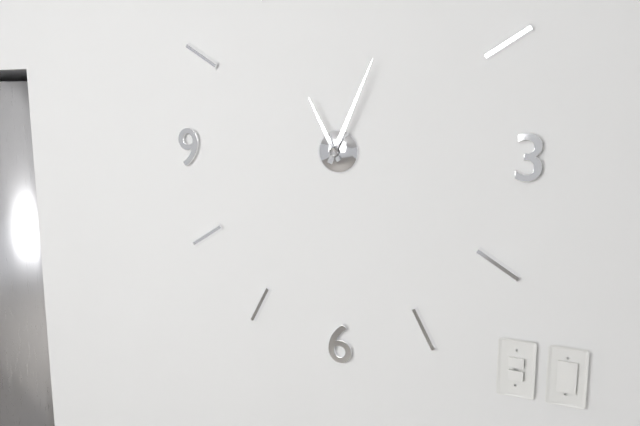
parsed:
**11:04**
